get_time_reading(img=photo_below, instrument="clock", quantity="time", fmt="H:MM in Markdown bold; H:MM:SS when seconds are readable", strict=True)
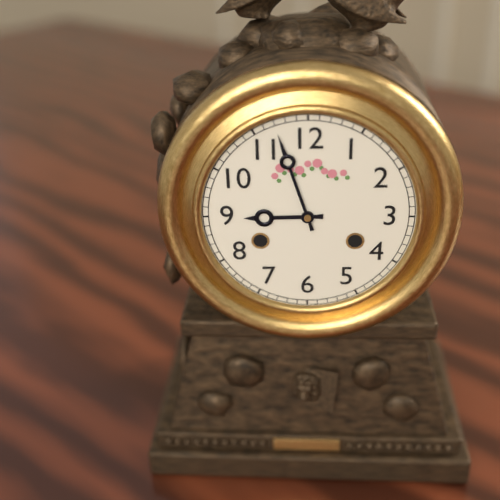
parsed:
**8:57**
